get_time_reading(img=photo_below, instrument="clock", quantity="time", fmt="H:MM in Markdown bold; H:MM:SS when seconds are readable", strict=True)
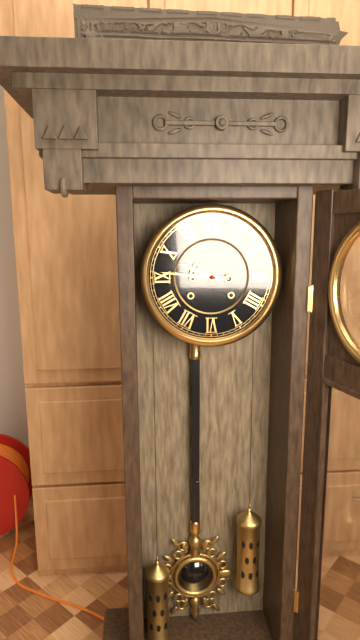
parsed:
**9:46**
